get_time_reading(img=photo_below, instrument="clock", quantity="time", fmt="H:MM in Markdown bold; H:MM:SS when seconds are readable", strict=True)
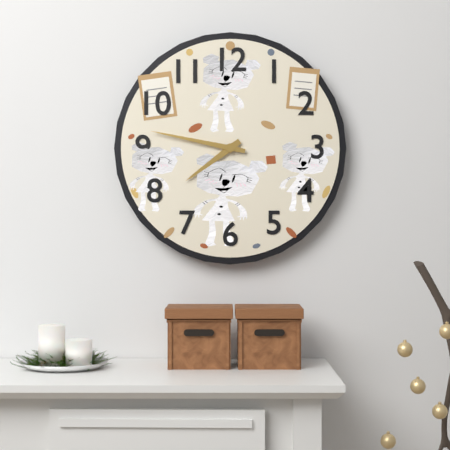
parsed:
**7:47**
